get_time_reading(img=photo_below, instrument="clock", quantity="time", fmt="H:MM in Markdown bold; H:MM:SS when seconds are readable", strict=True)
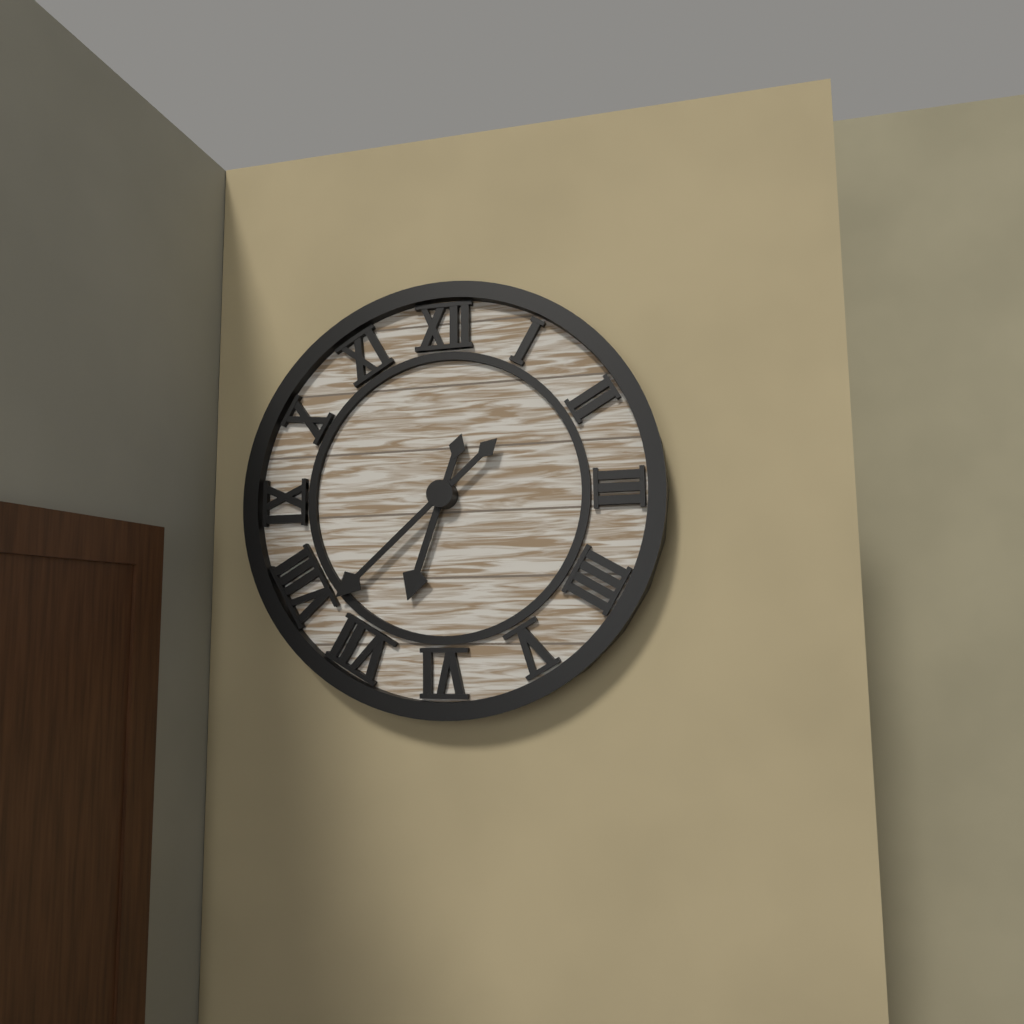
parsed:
**6:38**
